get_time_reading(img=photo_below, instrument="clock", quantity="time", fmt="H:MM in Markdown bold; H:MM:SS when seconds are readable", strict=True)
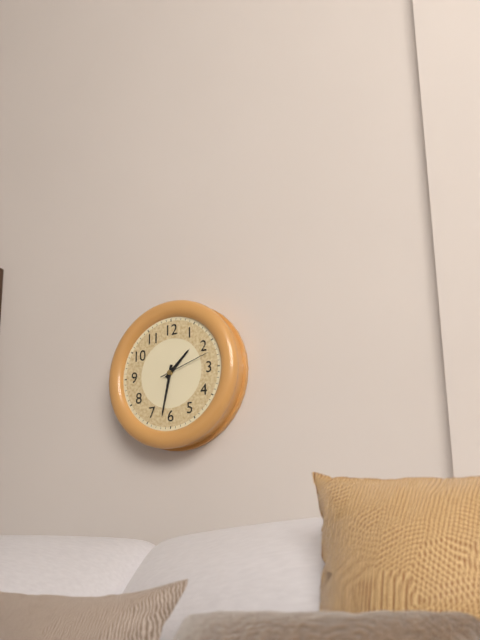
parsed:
**1:32:12**
